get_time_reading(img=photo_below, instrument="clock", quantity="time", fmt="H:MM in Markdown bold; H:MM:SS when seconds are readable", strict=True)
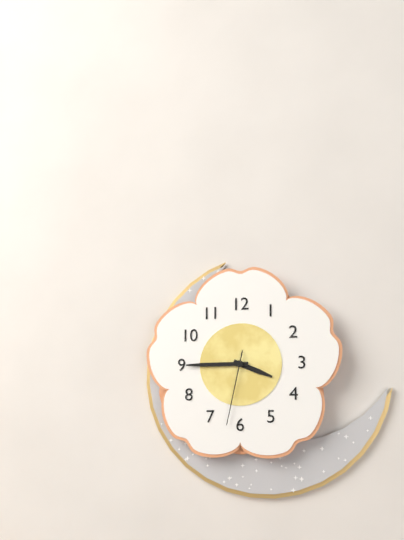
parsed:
**3:45:32**
